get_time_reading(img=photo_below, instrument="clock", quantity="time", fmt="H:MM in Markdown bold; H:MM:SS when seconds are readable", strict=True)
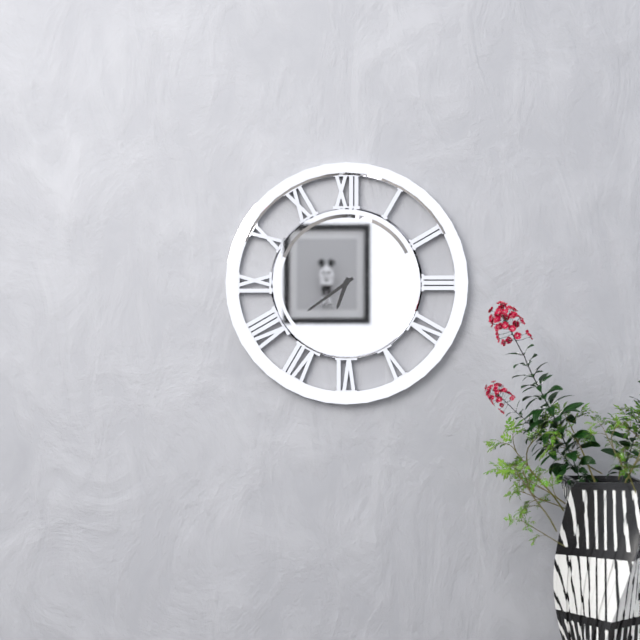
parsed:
**6:39**
